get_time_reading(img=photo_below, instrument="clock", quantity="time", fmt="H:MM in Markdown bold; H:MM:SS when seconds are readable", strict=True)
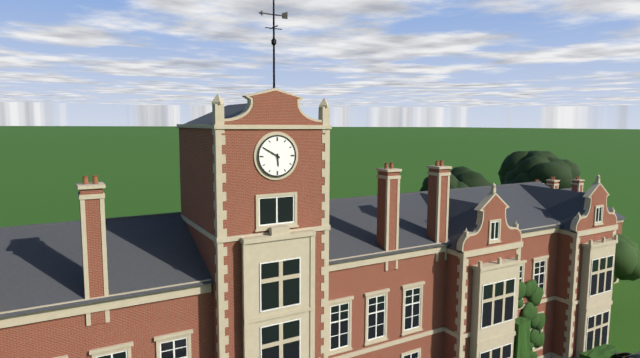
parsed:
**5:50**
